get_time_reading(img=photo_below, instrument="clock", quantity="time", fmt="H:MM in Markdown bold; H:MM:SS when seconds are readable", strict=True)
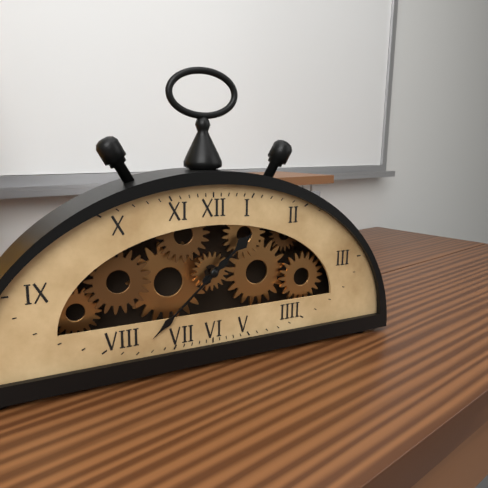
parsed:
**1:38**
